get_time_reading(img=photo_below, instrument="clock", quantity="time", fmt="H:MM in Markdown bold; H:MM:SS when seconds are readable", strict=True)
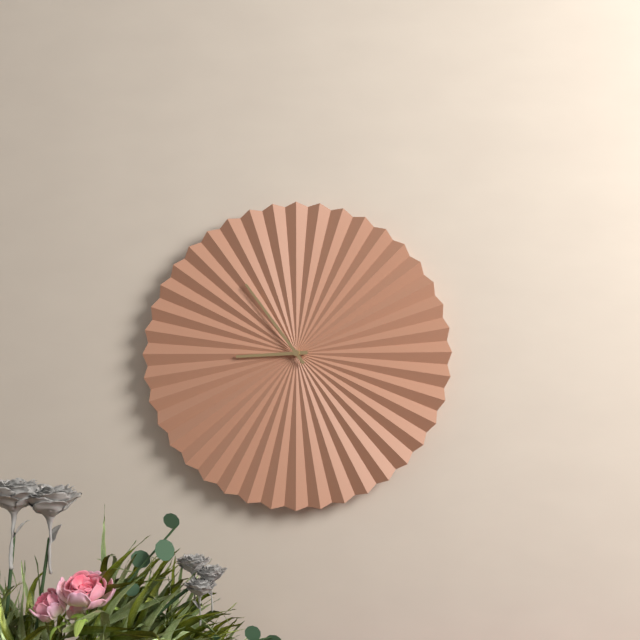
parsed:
**8:54**
